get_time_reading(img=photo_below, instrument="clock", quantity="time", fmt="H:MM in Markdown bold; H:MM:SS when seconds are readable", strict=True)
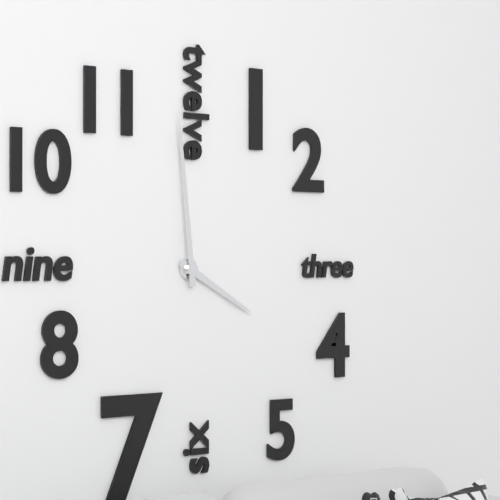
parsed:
**3:59**
